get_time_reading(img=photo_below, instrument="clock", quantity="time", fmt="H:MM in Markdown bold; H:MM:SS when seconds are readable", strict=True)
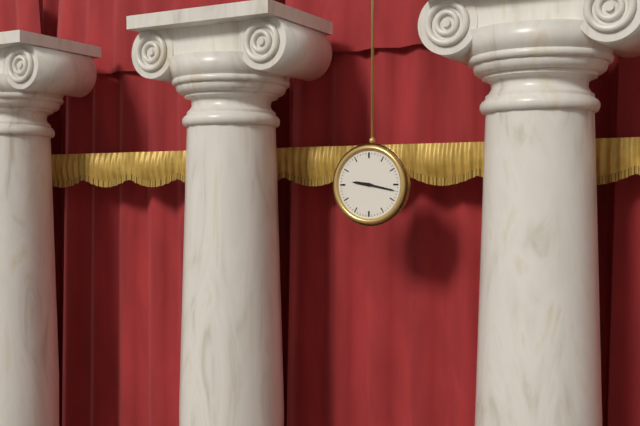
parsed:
**9:17**
